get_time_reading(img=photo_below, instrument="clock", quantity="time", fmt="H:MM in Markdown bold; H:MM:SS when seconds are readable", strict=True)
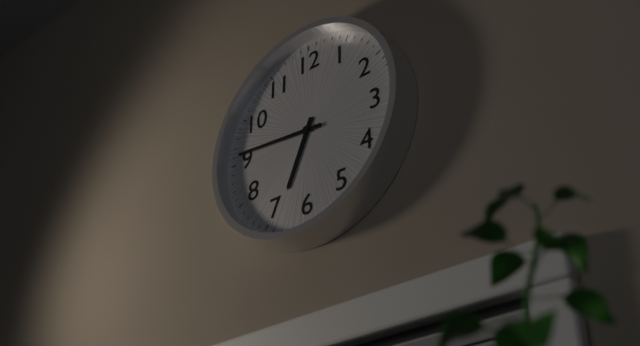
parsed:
**6:46**
